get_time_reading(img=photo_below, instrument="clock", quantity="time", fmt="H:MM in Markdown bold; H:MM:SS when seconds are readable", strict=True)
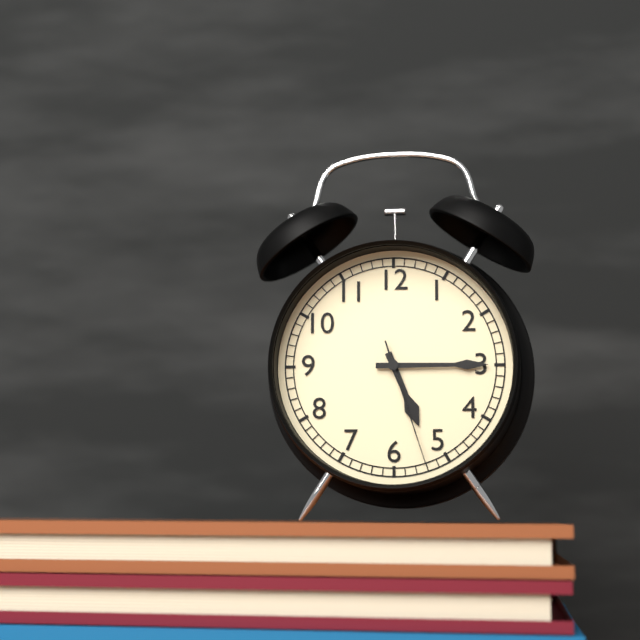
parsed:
**5:15:27**
